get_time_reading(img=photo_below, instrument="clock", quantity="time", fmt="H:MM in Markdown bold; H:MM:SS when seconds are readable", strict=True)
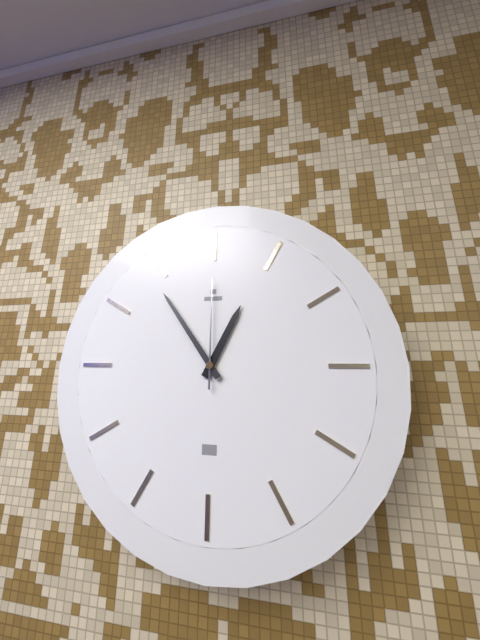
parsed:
**12:54:00**
